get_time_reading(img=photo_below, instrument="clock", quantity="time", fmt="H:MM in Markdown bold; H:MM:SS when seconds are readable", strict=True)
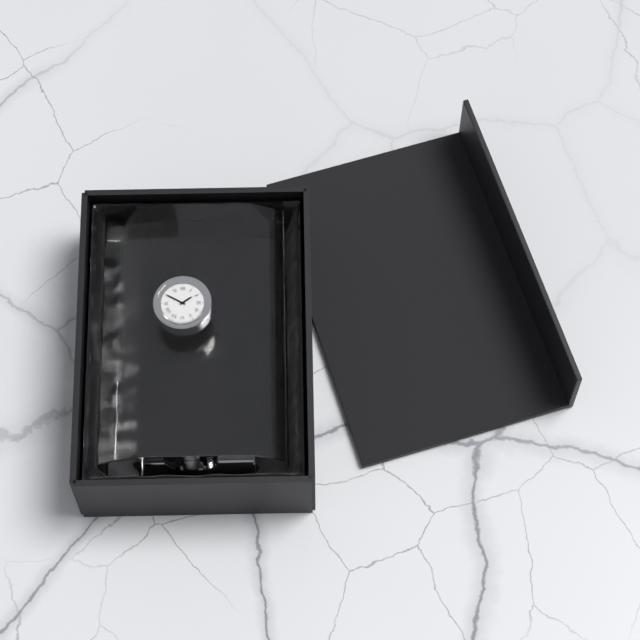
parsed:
**1:50**
